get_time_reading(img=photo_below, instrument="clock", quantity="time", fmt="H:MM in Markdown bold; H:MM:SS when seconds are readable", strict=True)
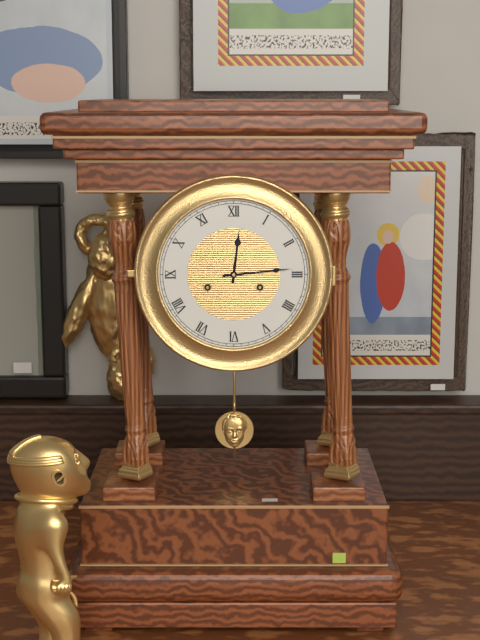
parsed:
**12:14**
